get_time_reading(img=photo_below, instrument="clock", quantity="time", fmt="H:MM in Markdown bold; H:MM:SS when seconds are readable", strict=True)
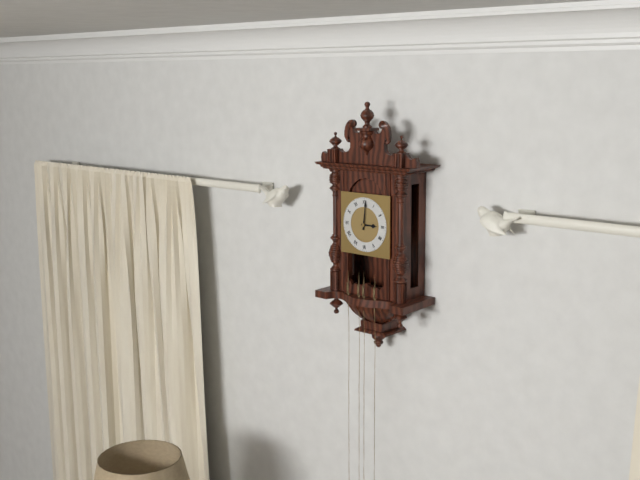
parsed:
**3:01**
